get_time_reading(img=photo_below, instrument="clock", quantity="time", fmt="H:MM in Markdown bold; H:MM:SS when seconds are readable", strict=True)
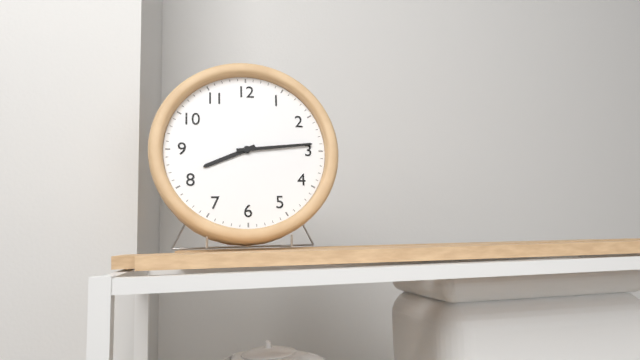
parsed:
**8:14**
